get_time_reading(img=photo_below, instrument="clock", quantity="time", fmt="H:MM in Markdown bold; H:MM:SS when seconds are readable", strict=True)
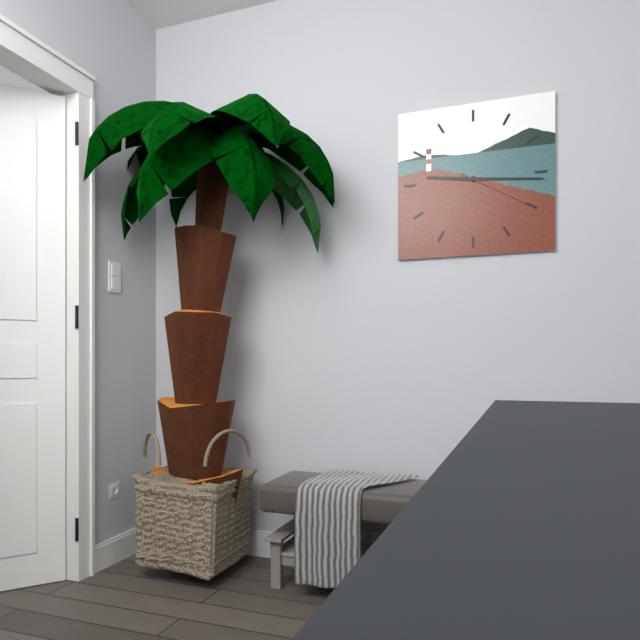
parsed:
**9:16:20**
